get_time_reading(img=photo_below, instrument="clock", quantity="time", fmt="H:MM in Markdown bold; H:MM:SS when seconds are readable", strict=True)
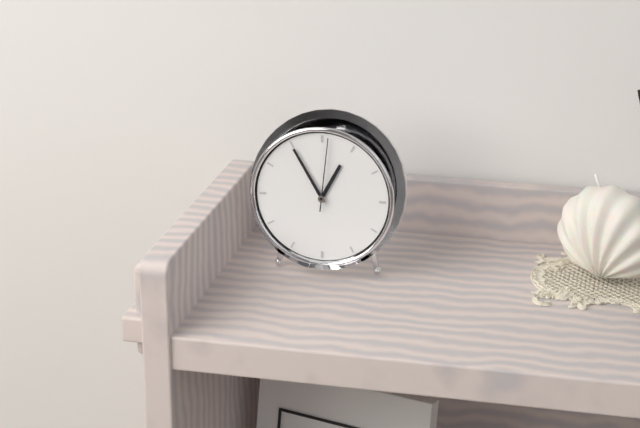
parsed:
**12:55:01**
